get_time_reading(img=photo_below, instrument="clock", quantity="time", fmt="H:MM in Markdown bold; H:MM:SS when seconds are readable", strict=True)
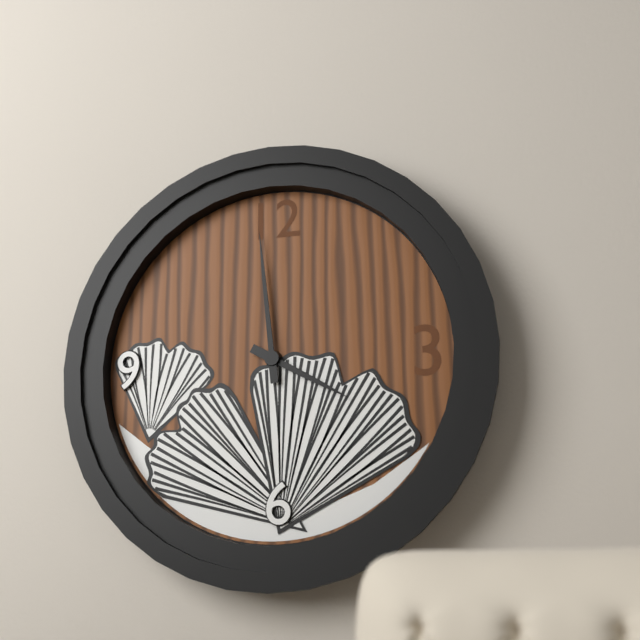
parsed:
**3:59**
